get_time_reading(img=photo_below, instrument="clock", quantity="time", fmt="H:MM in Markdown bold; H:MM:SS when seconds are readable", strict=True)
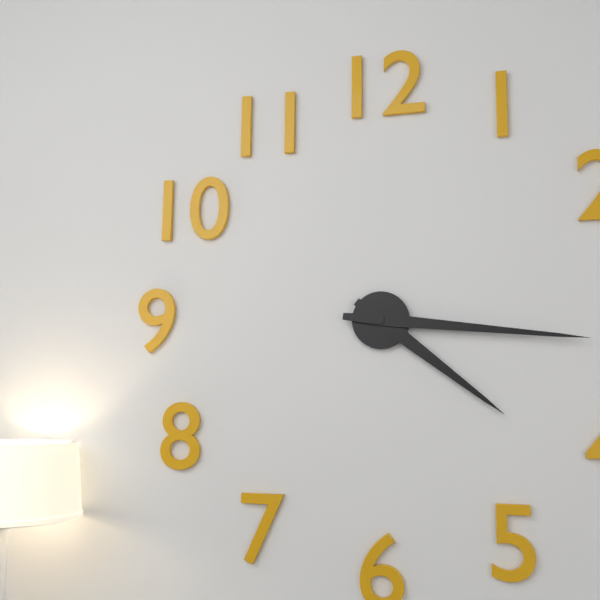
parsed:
**4:16**
